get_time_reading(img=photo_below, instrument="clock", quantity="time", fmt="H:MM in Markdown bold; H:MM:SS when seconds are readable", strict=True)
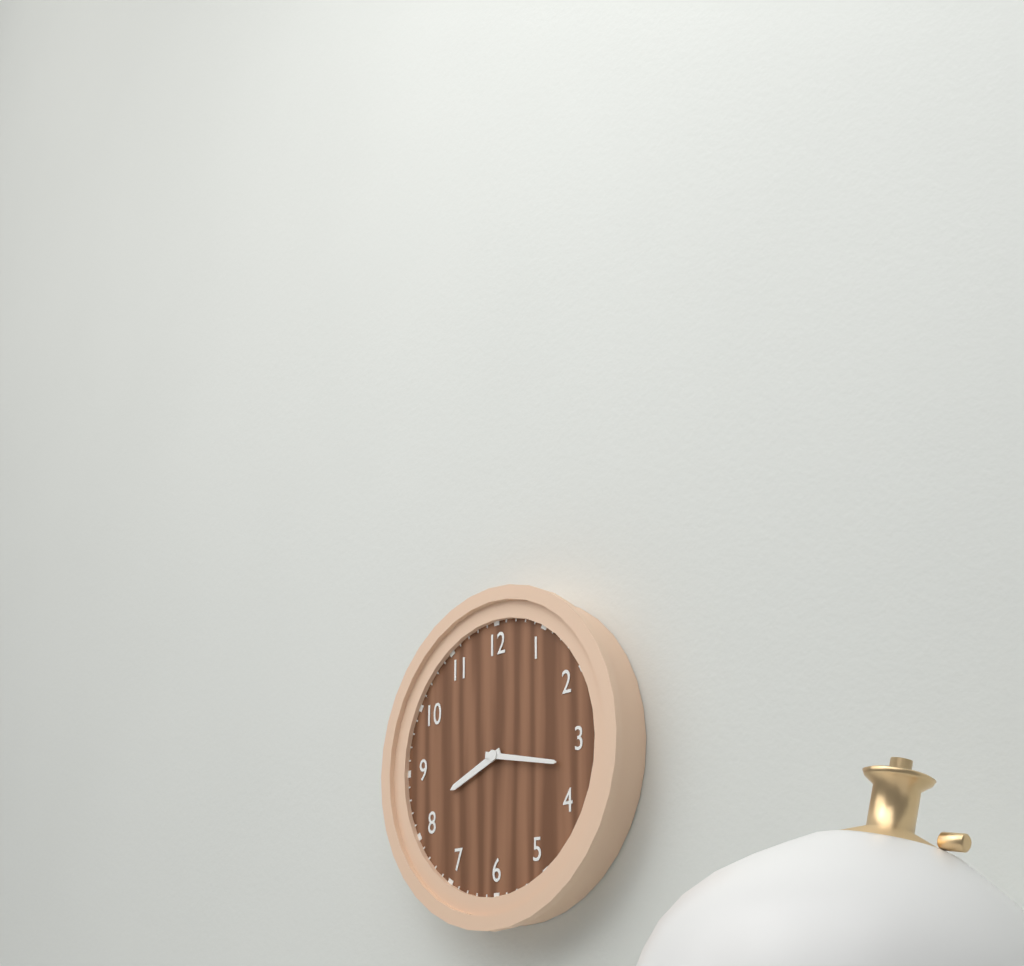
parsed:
**8:17**
